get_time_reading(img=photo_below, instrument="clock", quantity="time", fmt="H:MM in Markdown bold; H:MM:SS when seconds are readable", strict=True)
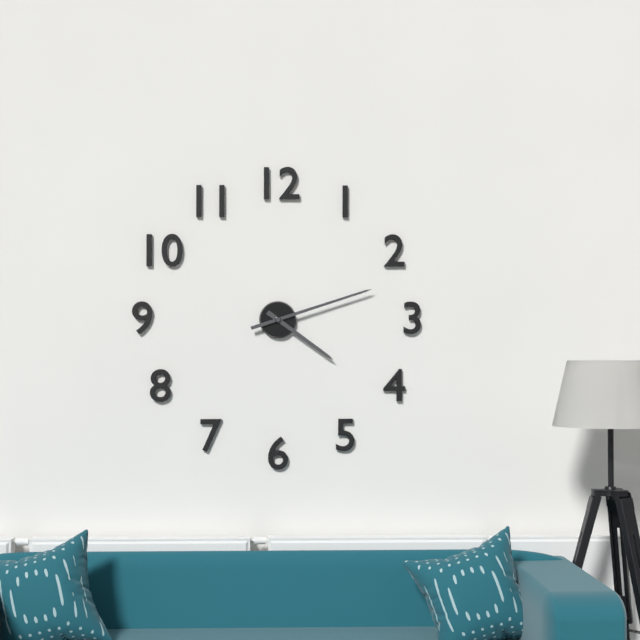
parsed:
**4:12**
